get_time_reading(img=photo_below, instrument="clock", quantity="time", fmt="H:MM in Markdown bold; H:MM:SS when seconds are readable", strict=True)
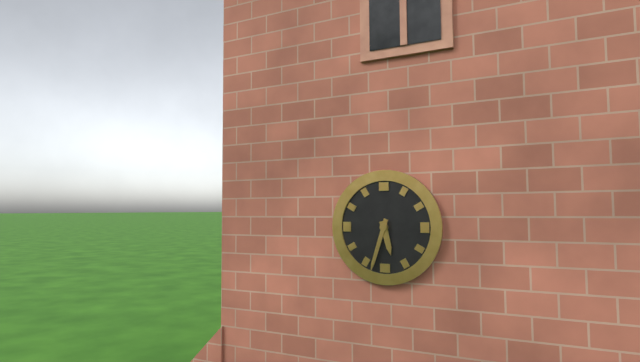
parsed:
**5:33**
